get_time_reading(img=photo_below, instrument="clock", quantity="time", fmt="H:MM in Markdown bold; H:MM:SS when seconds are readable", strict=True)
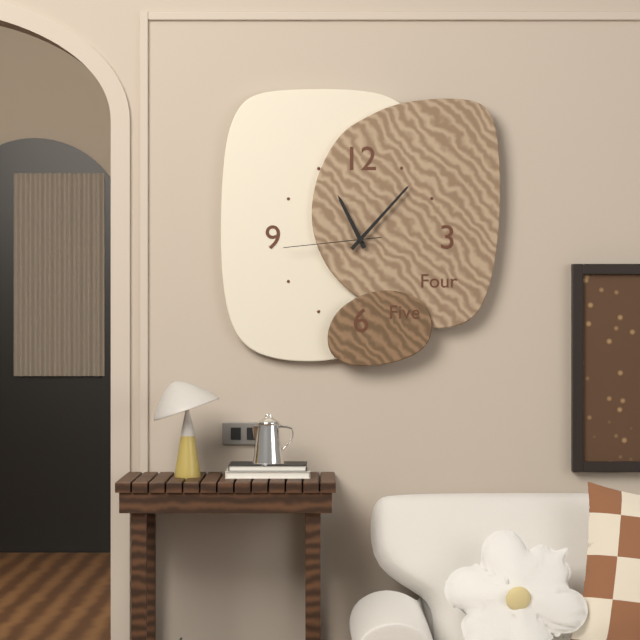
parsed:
**11:07:44**
